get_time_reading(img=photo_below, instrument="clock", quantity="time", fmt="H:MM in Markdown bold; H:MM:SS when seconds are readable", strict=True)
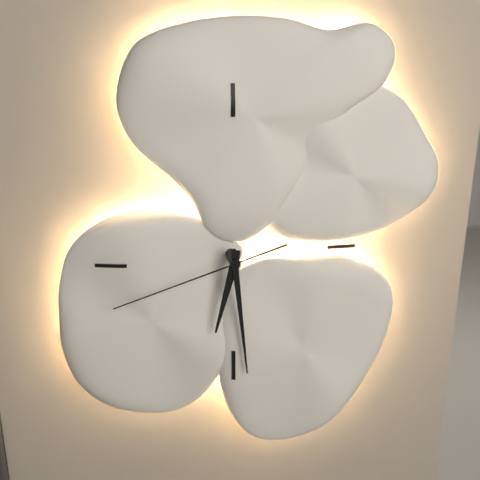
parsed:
**6:29:42**
